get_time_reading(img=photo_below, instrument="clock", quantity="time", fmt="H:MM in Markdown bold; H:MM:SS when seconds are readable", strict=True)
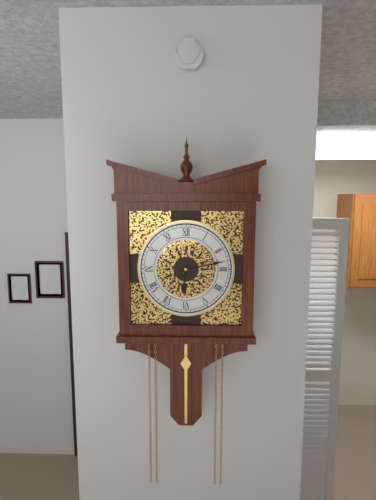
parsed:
**6:13**
